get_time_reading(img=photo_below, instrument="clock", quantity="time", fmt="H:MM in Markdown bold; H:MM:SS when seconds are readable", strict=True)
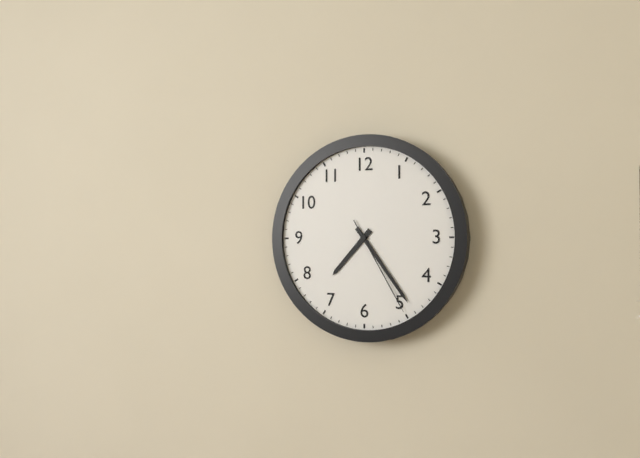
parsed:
**7:24:25**
